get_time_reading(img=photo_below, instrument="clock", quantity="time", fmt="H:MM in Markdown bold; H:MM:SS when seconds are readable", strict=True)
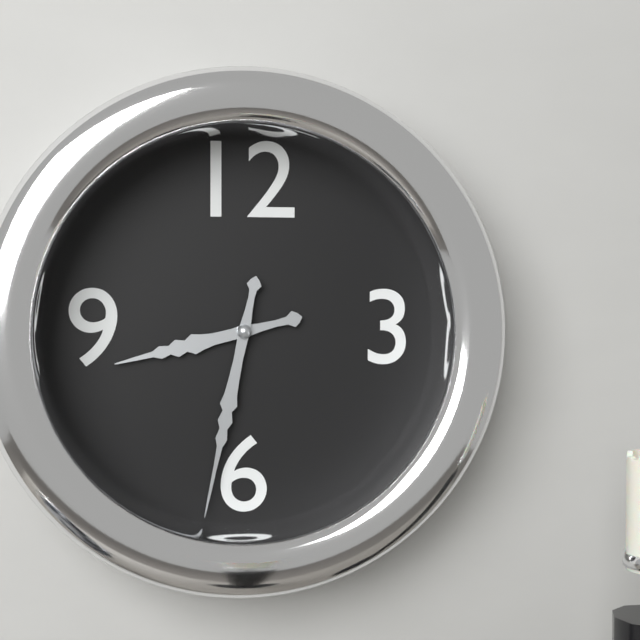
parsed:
**8:32**
